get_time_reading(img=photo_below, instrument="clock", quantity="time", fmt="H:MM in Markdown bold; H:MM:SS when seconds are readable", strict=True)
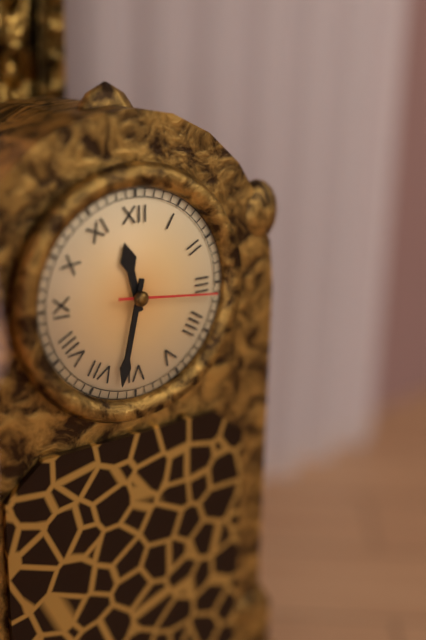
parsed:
**11:32:16**
